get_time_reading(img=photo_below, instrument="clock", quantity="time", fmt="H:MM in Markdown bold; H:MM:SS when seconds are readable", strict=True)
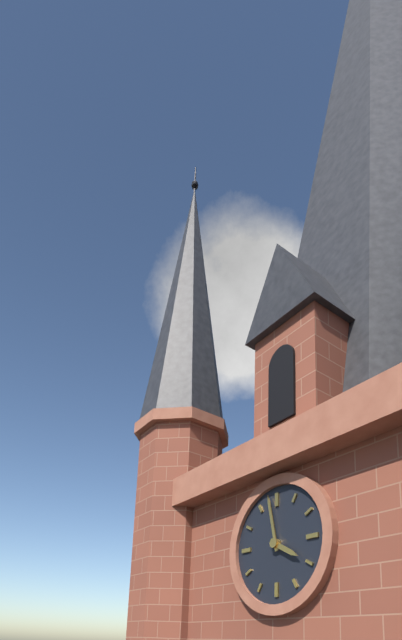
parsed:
**3:58**
